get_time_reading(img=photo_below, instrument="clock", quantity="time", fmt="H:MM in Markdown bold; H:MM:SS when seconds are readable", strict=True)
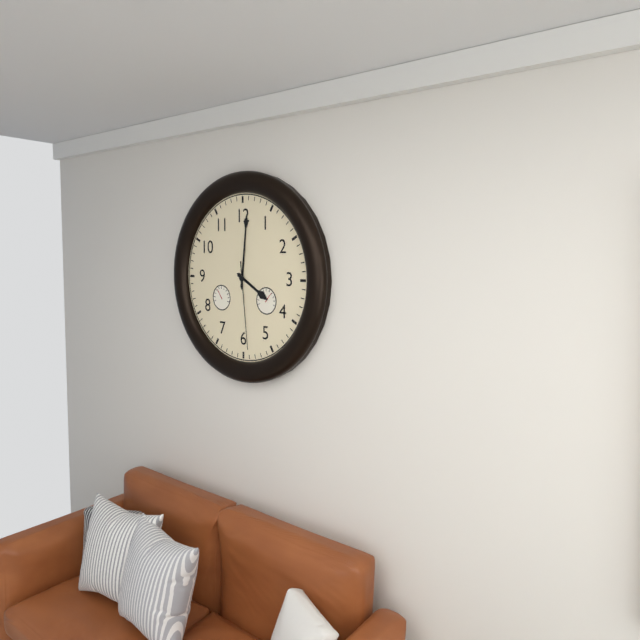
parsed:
**4:01:29**
